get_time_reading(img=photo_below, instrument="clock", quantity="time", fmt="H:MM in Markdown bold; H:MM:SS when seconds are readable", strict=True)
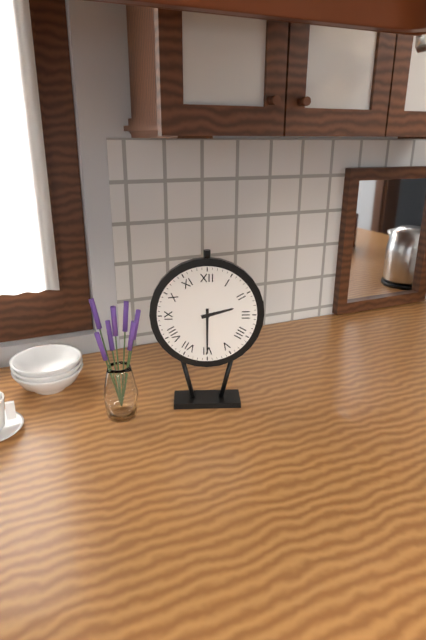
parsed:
**2:30**
